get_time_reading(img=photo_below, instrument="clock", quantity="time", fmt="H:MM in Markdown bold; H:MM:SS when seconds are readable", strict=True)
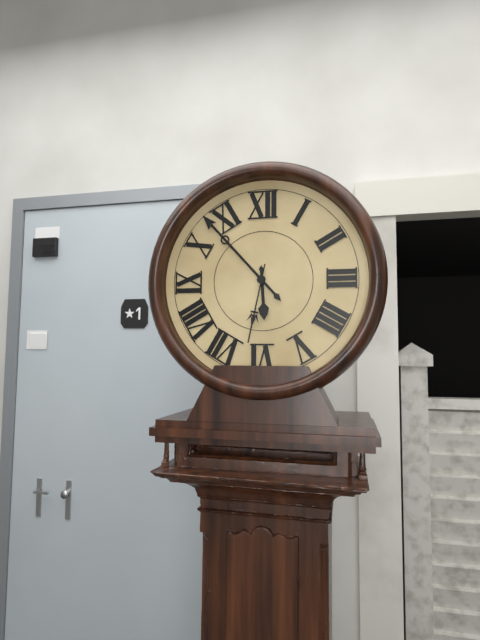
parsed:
**5:53:32**
